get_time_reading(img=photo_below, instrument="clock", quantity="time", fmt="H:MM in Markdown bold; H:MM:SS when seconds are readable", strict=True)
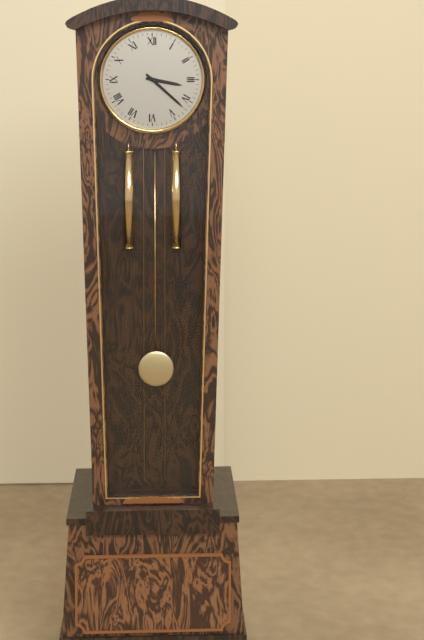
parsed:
**3:22**
